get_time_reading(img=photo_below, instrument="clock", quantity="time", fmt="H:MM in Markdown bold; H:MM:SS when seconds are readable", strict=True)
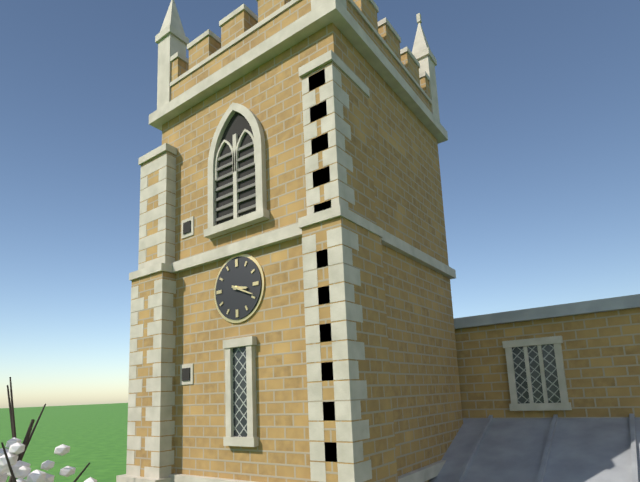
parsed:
**3:19**
